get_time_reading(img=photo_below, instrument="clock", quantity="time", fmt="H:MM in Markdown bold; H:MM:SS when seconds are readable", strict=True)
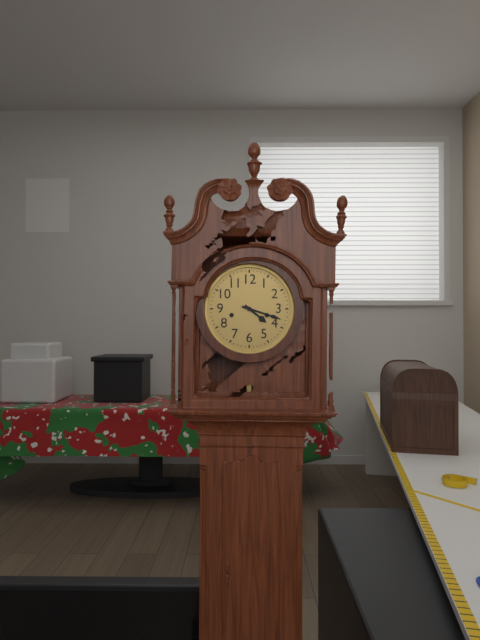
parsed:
**4:18**
